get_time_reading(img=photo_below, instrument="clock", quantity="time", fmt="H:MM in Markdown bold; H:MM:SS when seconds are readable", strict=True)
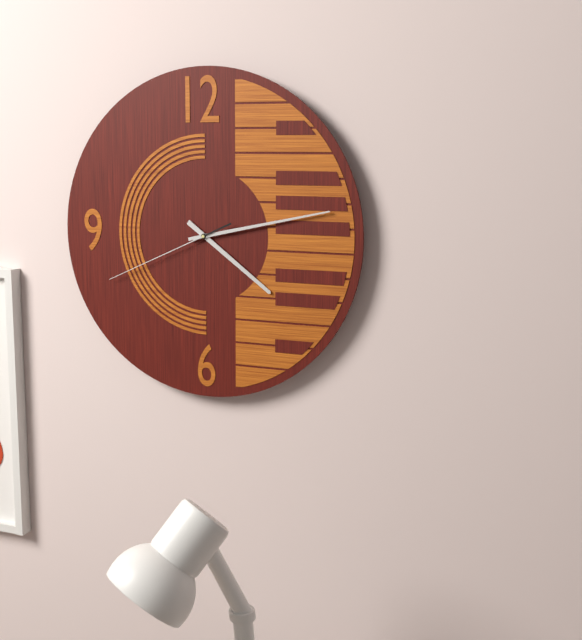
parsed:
**4:13:41**
